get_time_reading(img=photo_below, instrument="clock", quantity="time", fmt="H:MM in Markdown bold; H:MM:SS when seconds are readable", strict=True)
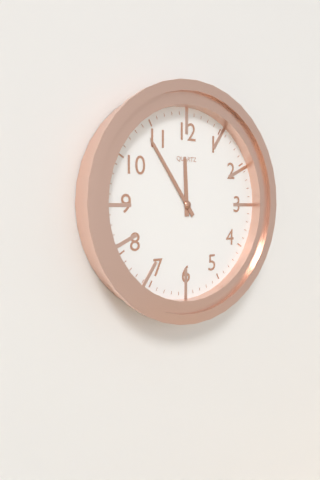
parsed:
**11:54**
